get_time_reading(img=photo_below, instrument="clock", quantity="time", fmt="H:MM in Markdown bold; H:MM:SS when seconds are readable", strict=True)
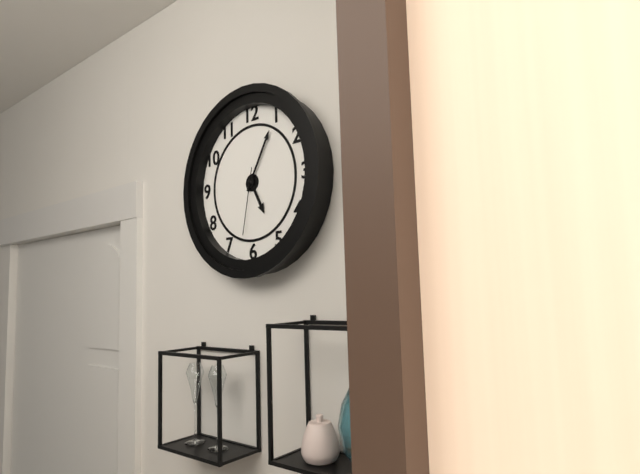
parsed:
**5:05:32**
